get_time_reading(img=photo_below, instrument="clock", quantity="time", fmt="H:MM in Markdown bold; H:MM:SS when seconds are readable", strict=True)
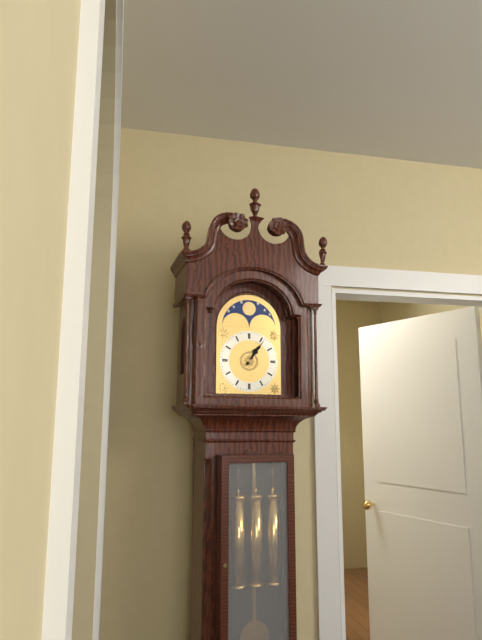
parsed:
**1:06**
